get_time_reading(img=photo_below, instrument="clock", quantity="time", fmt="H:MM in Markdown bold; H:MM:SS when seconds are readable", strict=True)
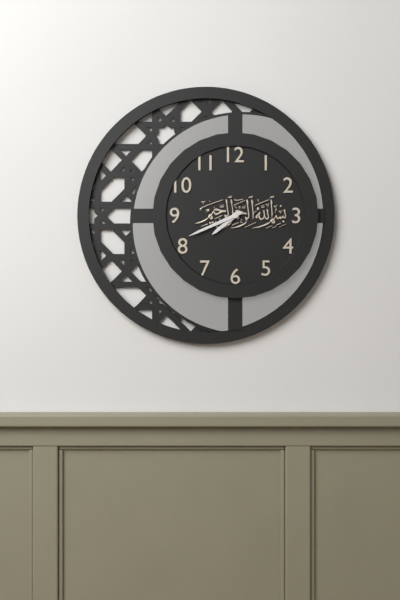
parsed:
**7:41**
